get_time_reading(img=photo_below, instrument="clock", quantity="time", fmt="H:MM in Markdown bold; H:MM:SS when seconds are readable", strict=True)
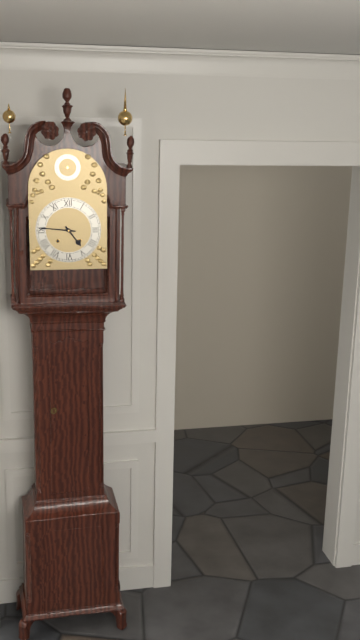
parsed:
**4:46**
